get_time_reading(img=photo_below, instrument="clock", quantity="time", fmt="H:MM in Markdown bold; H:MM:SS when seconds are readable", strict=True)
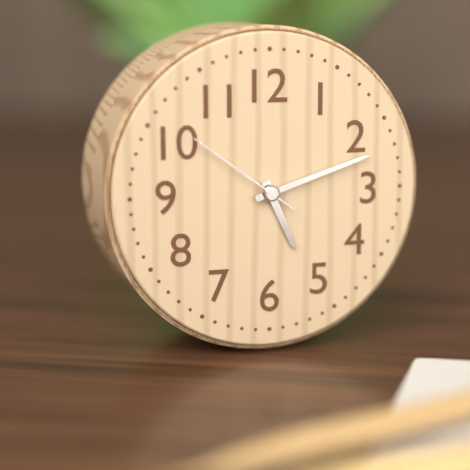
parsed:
**5:12:51**
